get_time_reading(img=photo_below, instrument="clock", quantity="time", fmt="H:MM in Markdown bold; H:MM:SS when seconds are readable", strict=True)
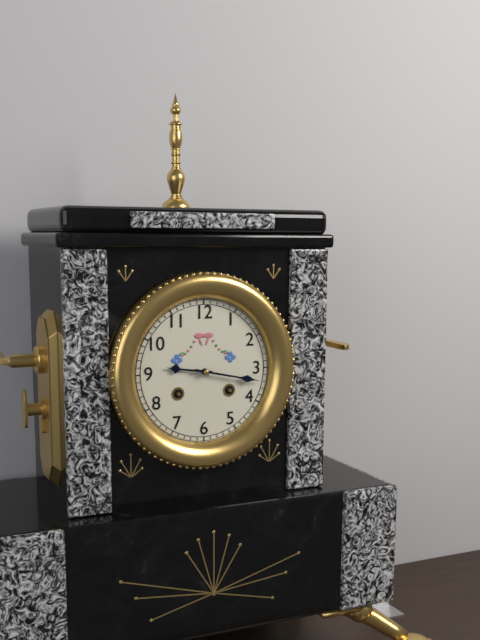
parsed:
**9:17**
